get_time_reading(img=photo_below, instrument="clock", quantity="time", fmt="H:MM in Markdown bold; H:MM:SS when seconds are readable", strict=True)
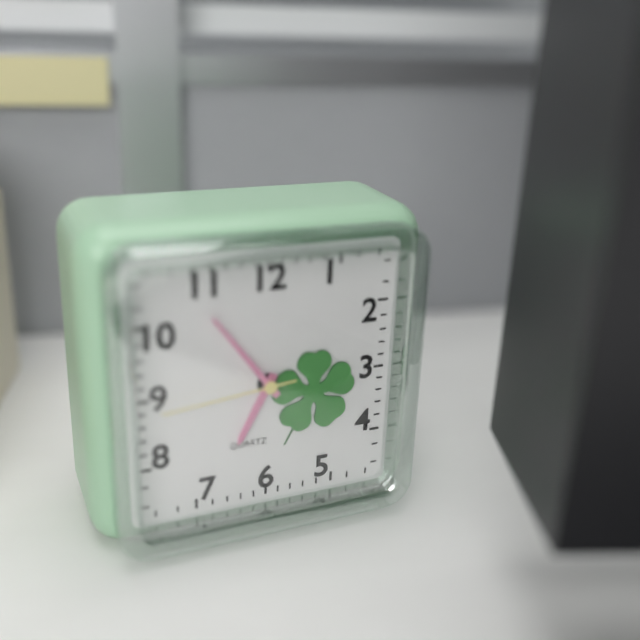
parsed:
**6:54:44**
